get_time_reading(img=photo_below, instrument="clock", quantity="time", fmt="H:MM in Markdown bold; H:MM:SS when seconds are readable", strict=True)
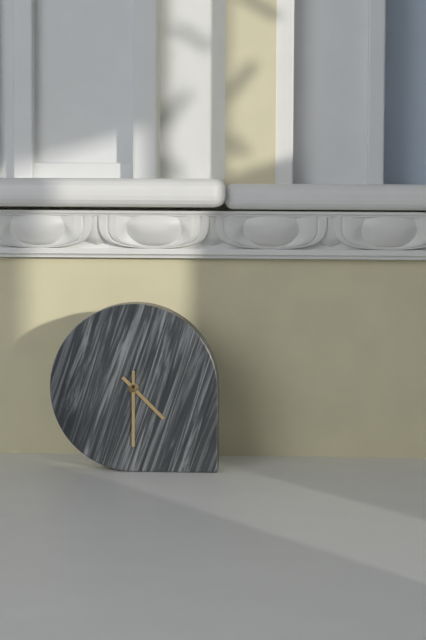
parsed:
**4:30**
